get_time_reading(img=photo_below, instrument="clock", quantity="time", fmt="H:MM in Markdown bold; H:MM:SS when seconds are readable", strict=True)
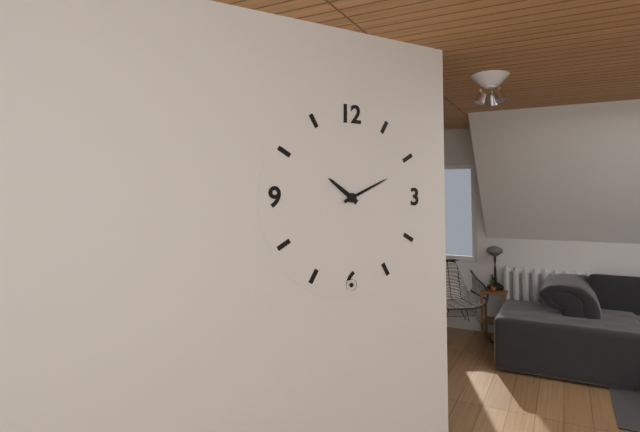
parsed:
**10:11**
